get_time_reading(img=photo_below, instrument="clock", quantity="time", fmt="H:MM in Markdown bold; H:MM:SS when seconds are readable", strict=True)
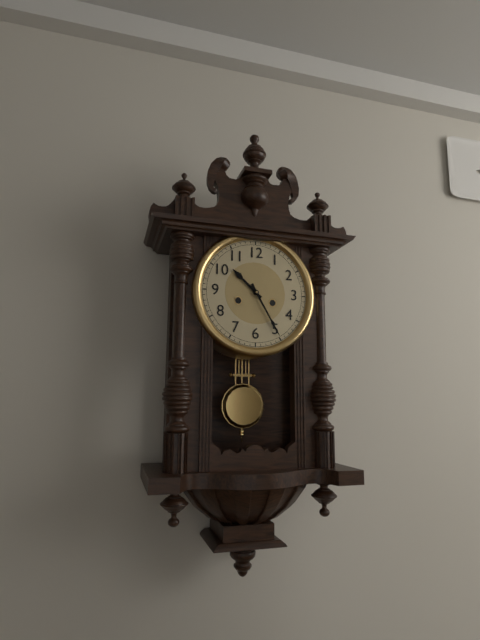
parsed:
**10:25**
